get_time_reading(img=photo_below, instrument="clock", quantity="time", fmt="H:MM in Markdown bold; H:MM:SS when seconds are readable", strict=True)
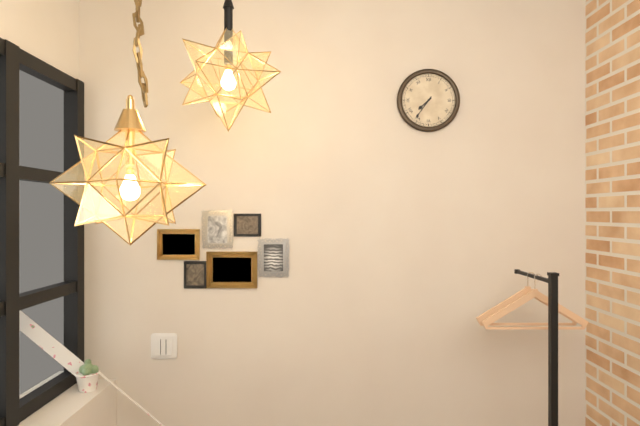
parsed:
**7:36**
